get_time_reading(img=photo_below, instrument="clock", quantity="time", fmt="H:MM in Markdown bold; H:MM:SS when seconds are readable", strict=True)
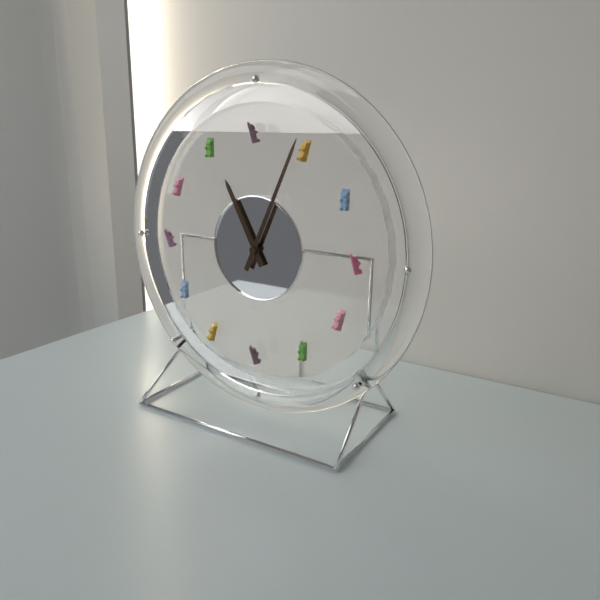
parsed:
**11:04**
